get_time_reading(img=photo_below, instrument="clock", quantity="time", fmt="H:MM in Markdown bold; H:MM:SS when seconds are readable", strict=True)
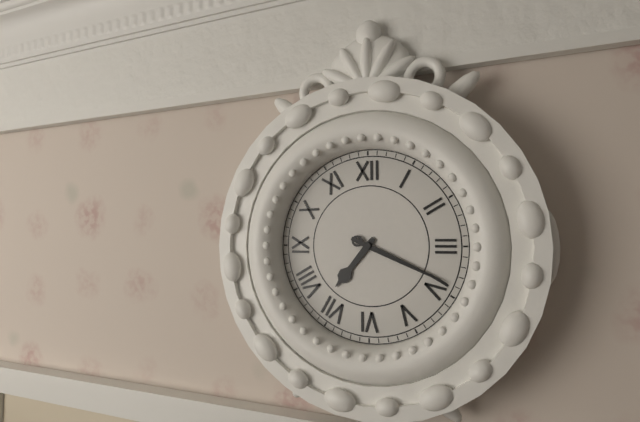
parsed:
**7:19**
